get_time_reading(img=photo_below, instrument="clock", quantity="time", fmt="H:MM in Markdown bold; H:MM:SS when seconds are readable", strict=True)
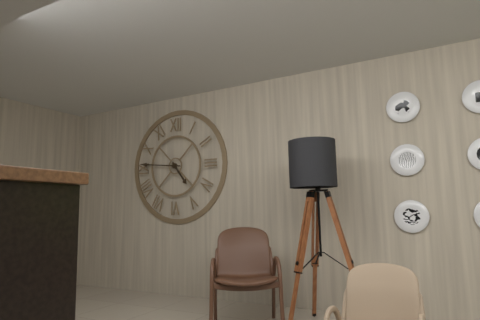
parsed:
**4:46**
